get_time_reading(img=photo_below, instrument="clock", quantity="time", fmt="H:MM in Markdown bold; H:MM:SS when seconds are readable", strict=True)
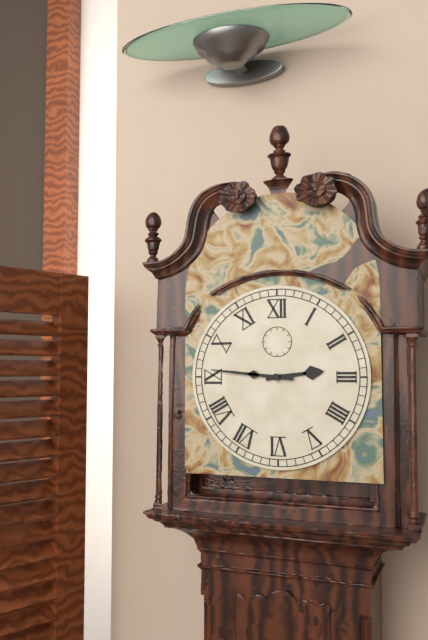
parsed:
**2:46**
